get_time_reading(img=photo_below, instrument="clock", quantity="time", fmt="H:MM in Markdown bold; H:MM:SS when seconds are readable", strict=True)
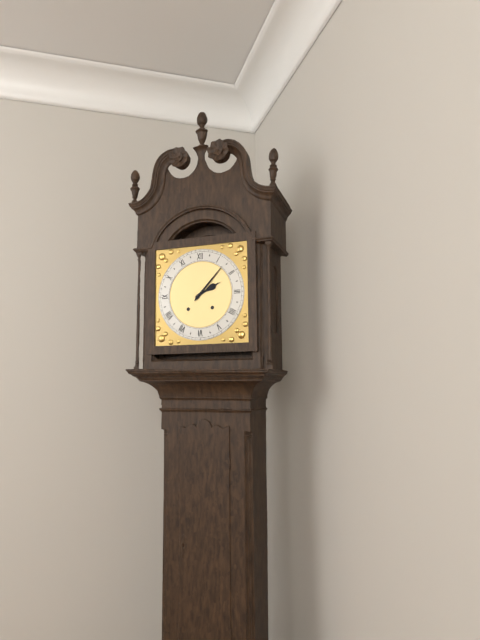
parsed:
**2:07**
